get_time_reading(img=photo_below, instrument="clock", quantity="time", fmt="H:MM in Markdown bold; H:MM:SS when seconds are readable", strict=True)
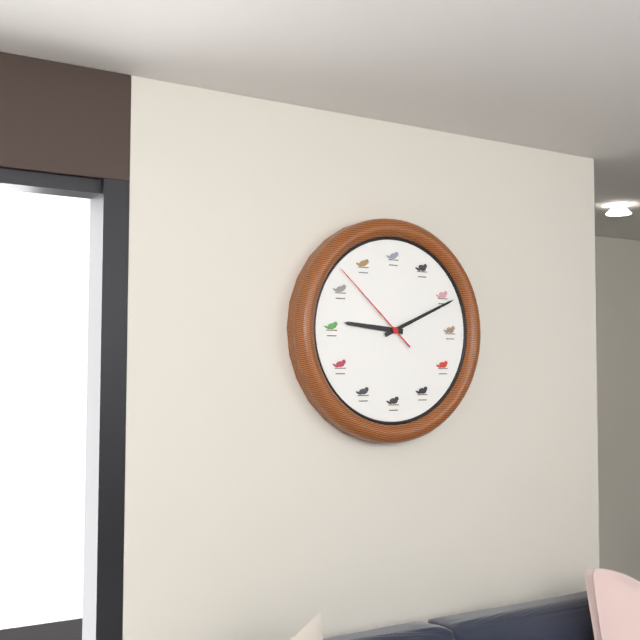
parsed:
**9:11:52**
